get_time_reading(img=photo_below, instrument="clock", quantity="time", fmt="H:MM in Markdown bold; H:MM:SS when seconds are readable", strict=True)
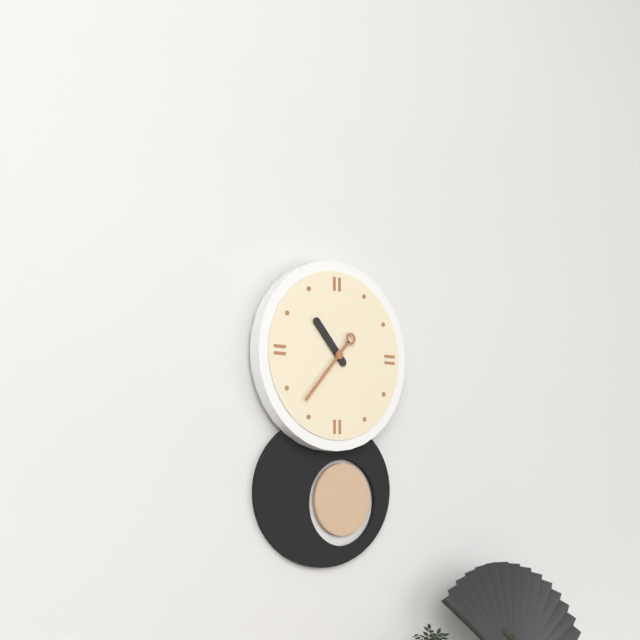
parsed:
**10:37**
